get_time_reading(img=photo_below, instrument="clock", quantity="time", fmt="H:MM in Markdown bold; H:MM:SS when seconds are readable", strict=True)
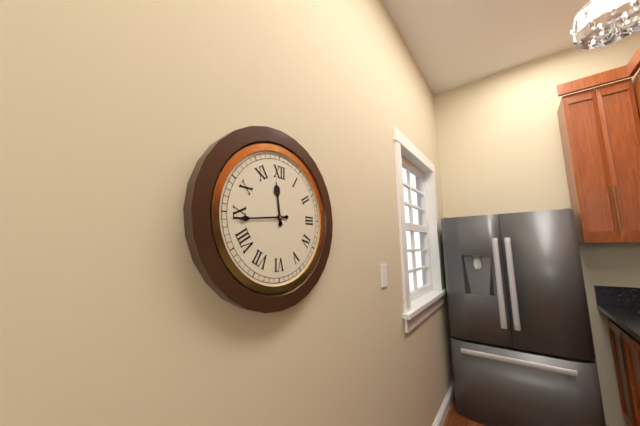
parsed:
**11:44**
